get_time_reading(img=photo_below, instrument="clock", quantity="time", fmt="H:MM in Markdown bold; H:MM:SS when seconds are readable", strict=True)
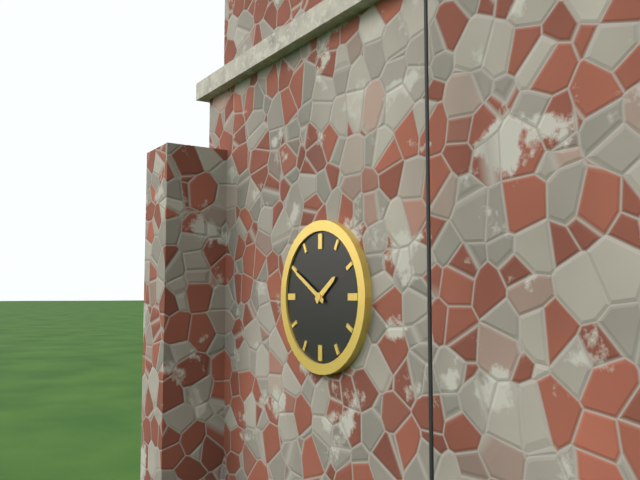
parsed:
**1:50**
